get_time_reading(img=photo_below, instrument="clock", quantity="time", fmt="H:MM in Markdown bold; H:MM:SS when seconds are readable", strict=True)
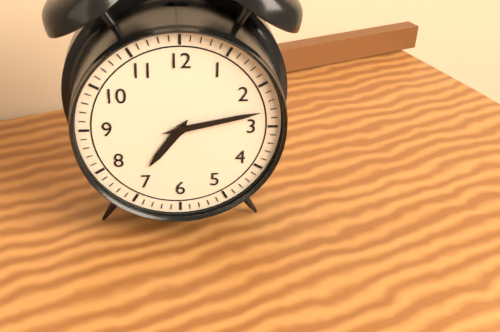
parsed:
**7:13**
